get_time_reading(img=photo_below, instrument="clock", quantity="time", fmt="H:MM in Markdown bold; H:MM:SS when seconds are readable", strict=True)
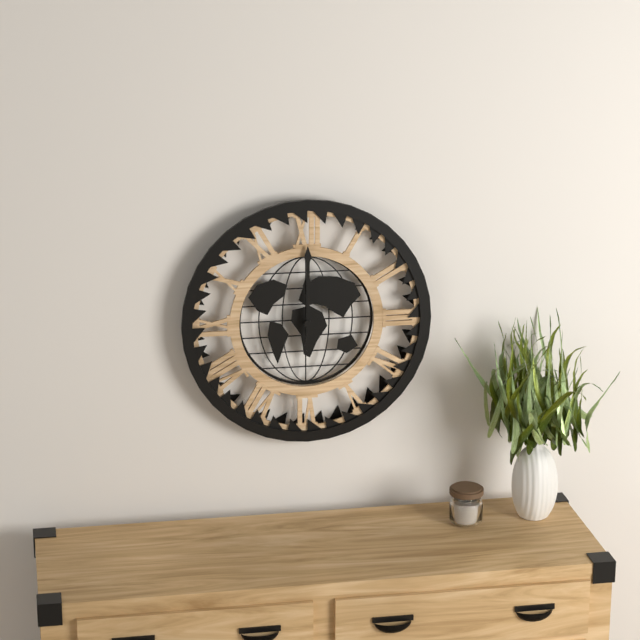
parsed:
**12:00**
